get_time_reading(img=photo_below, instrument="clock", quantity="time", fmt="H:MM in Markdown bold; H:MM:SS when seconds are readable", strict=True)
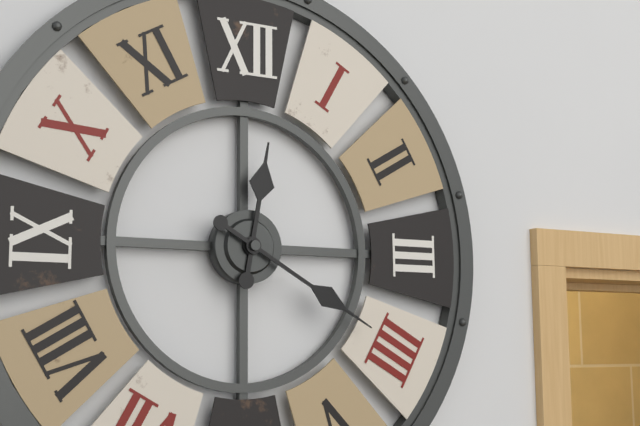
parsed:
**12:20**
